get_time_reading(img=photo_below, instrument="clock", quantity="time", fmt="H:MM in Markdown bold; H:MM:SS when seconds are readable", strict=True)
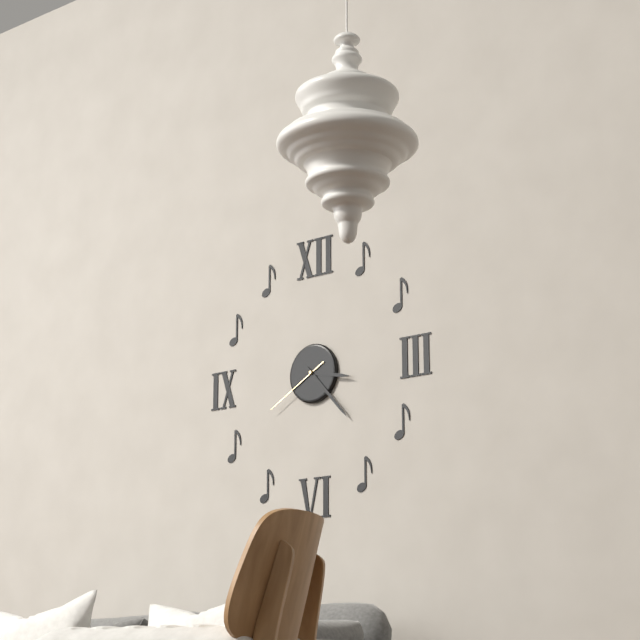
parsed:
**3:23:40**
